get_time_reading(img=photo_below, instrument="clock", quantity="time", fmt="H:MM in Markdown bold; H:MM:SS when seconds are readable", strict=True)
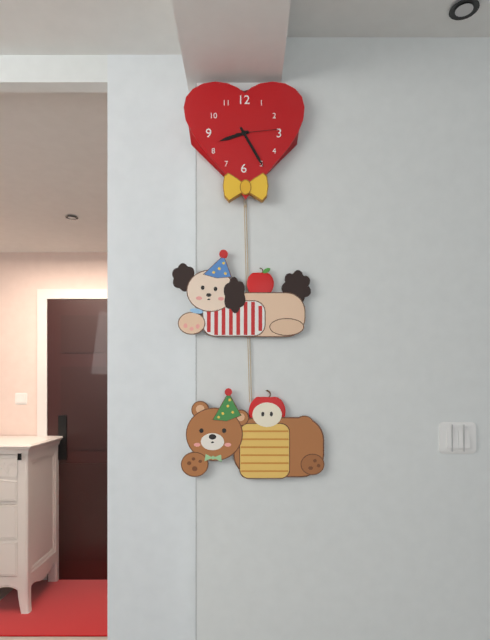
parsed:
**8:25**
